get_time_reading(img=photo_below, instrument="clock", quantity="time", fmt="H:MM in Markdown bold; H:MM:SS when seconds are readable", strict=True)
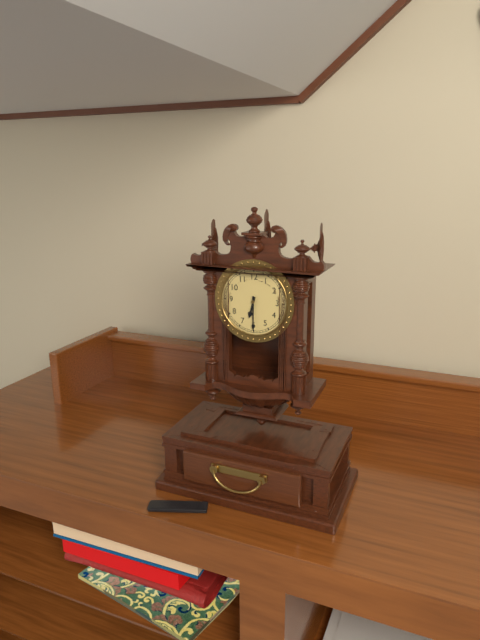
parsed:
**6:30**
